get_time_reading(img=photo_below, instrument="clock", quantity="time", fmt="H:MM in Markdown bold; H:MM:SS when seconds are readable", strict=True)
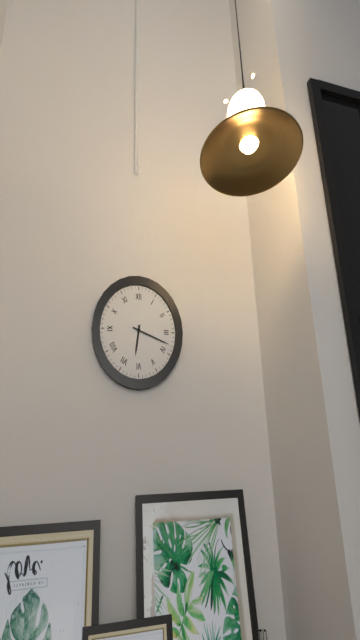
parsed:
**6:18**
